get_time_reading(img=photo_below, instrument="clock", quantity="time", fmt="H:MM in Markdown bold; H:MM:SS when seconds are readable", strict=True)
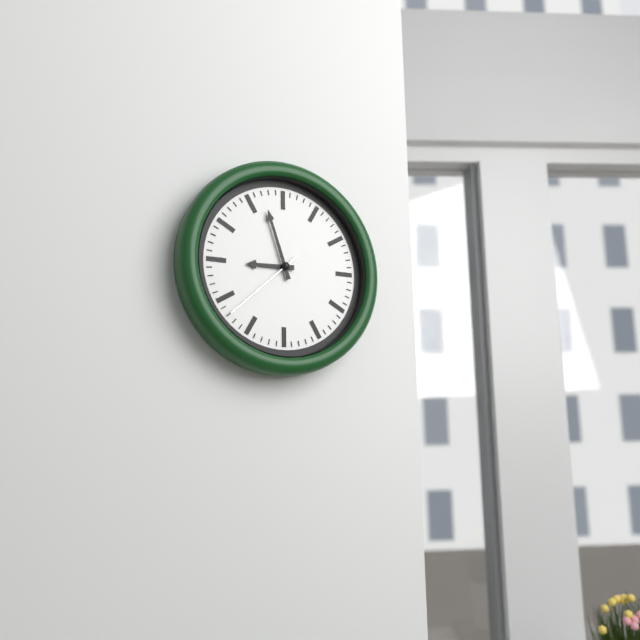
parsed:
**8:57:38**
